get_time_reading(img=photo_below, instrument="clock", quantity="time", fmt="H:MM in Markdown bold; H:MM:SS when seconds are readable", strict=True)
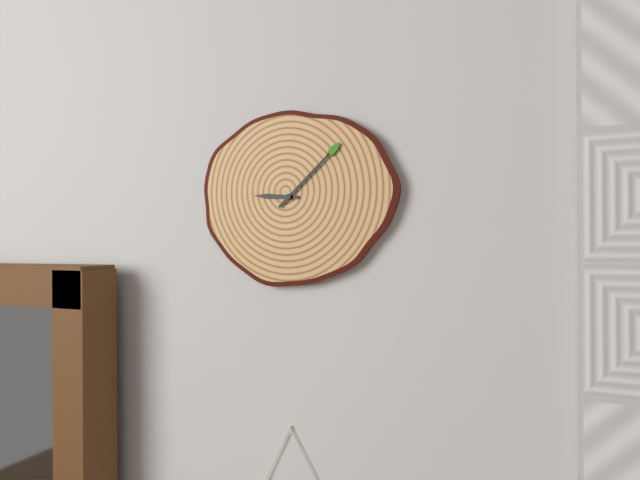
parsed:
**9:08**
